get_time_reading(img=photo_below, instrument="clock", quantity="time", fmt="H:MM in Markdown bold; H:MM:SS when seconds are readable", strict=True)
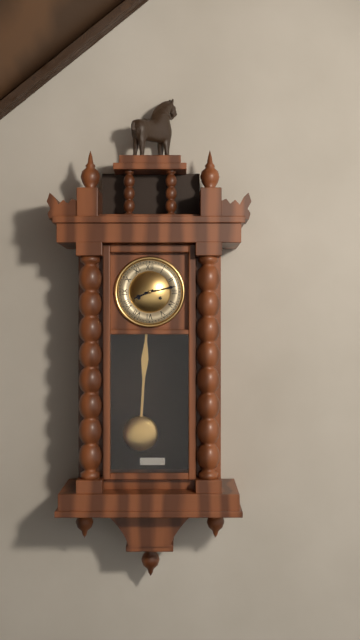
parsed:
**8:13**
